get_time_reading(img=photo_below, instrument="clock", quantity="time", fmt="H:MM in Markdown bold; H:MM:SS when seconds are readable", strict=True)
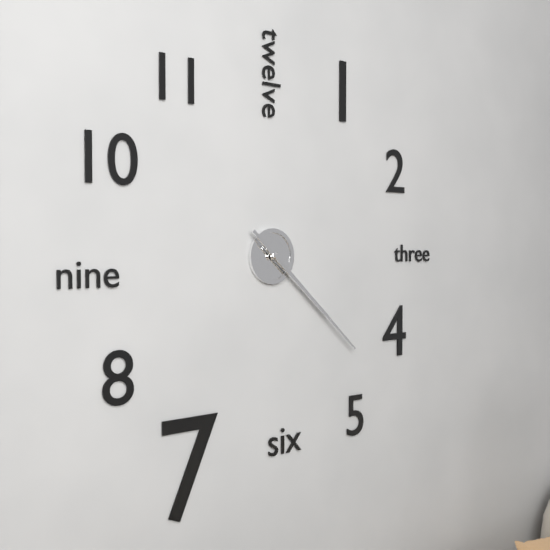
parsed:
**4:22**
